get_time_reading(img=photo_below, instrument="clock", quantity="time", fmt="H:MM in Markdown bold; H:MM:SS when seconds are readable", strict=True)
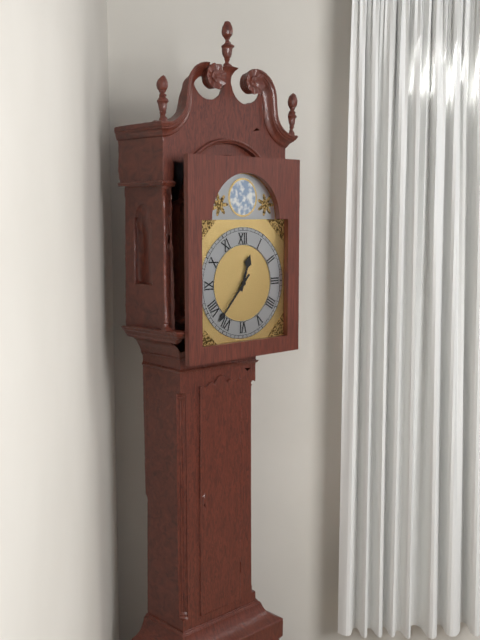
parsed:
**12:37**
